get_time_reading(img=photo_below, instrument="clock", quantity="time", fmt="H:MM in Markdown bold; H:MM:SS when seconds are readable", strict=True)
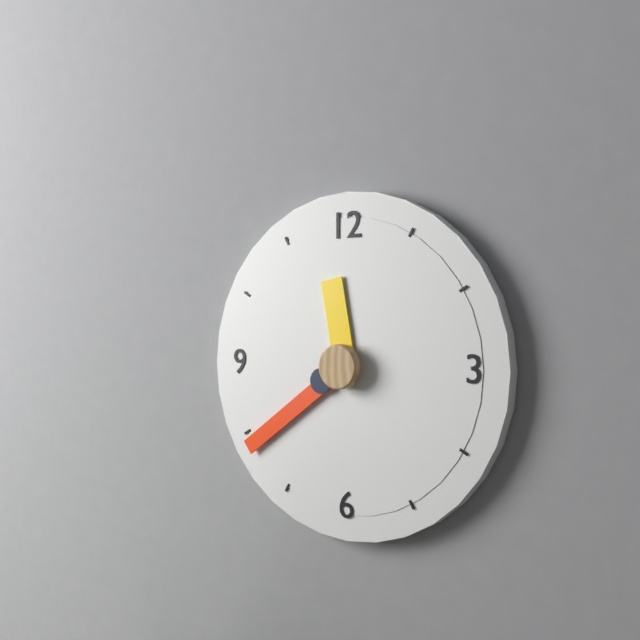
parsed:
**11:39:40**
